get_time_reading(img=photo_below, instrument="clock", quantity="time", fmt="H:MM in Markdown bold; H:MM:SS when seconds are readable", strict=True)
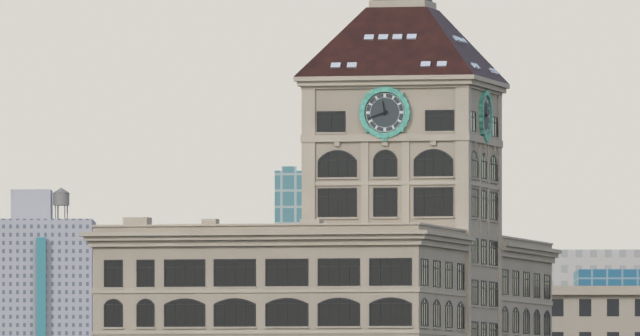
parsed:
**11:42**
